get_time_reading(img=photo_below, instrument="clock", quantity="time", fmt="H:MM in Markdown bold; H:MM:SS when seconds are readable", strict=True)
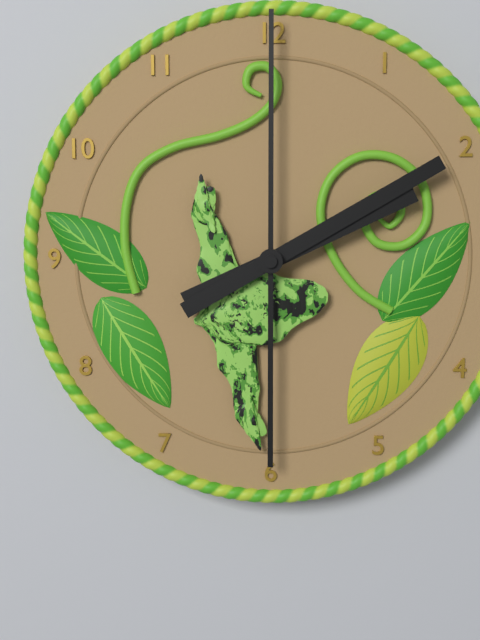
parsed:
**2:10:00**
